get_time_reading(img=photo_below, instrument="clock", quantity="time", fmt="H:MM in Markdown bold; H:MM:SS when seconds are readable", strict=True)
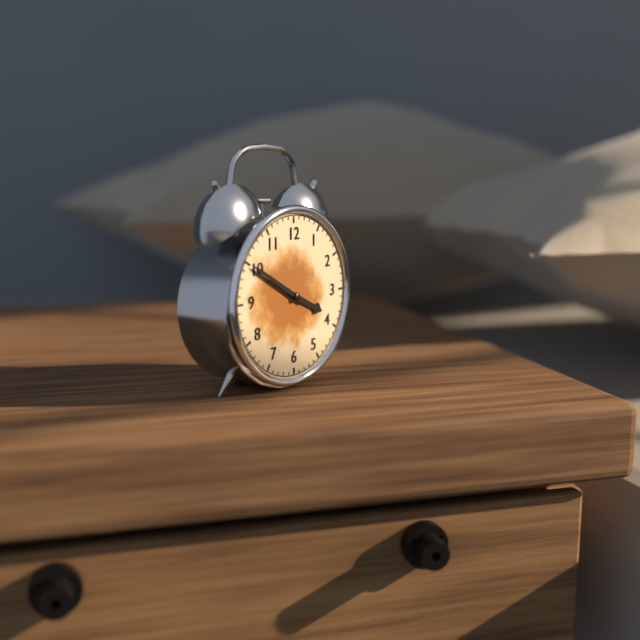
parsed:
**3:50**
